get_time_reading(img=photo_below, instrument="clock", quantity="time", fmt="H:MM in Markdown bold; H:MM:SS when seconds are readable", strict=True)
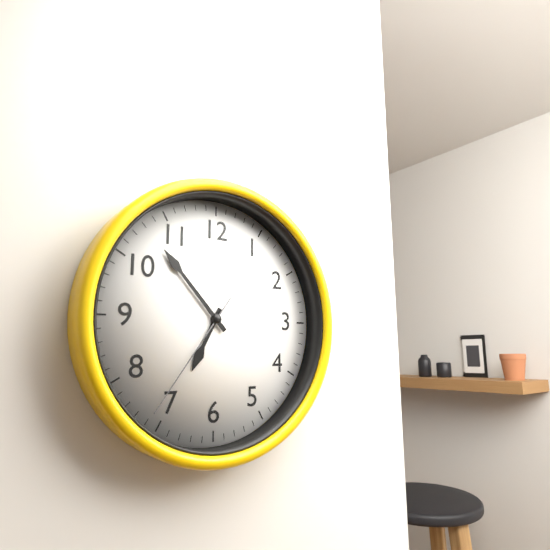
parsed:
**6:53:36**
